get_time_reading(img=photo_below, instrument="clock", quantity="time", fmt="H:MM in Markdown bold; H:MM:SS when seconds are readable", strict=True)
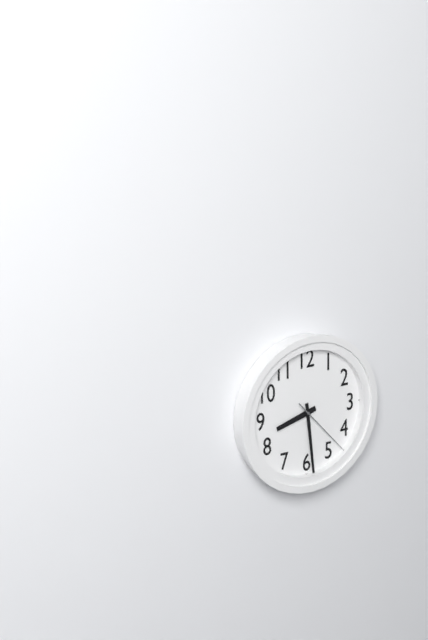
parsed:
**8:29:23**
